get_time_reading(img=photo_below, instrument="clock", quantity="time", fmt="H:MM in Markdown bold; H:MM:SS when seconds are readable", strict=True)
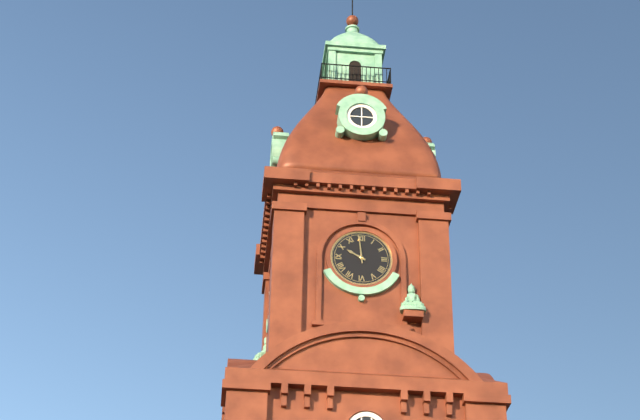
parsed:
**9:59**
